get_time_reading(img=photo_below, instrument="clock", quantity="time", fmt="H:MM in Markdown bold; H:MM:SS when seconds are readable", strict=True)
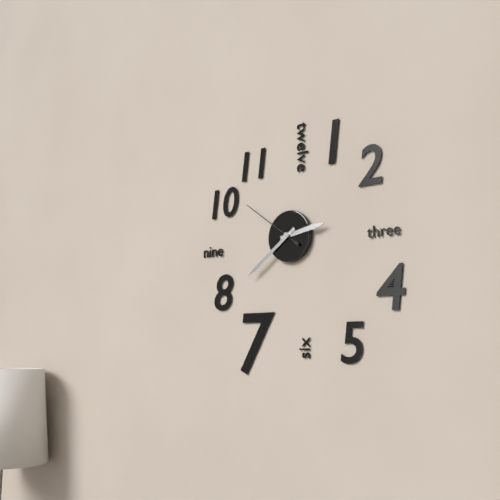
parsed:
**2:39:51**
